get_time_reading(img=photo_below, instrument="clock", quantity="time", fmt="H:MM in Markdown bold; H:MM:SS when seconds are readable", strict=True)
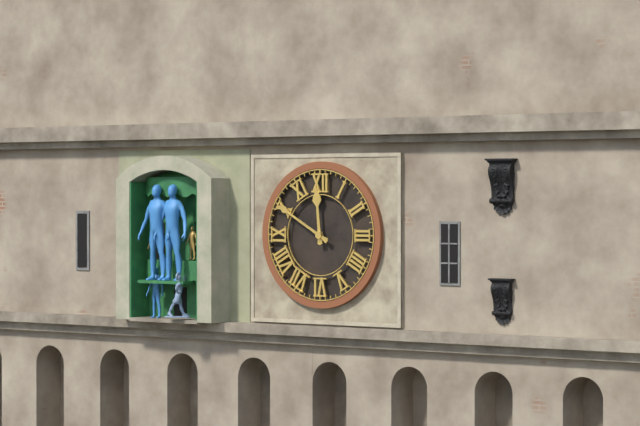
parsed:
**11:50**
